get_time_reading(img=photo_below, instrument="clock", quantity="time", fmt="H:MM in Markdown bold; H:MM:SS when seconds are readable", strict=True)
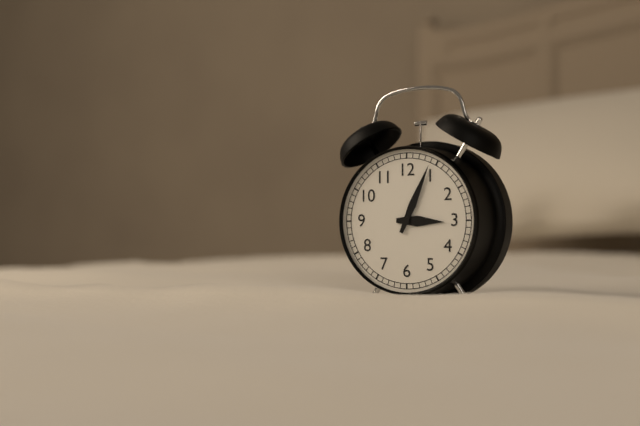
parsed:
**3:04**
